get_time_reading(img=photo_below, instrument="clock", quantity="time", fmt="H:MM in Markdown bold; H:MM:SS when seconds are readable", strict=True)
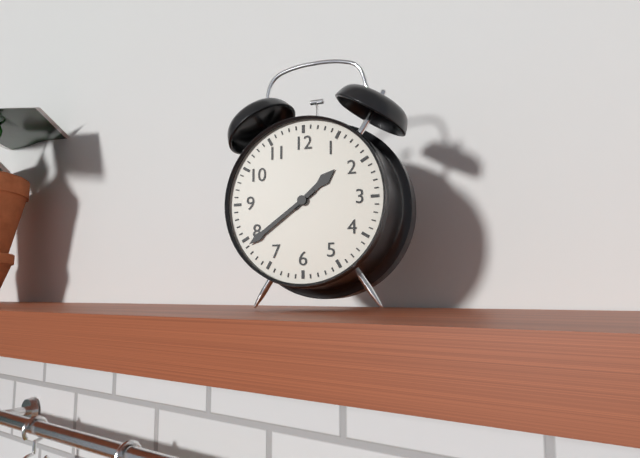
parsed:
**1:39**
